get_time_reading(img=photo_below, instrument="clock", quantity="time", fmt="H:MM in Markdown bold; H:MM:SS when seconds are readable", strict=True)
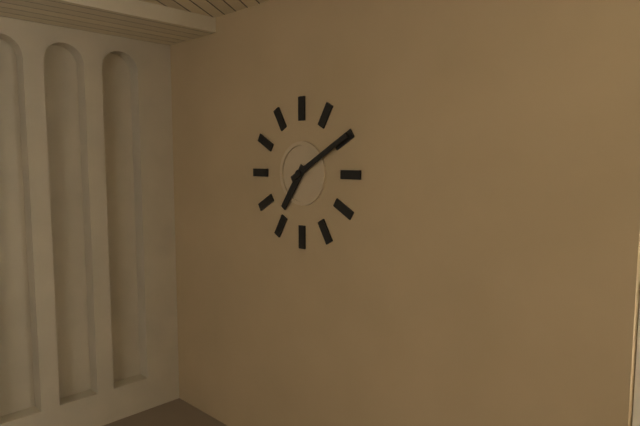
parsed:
**7:10**
